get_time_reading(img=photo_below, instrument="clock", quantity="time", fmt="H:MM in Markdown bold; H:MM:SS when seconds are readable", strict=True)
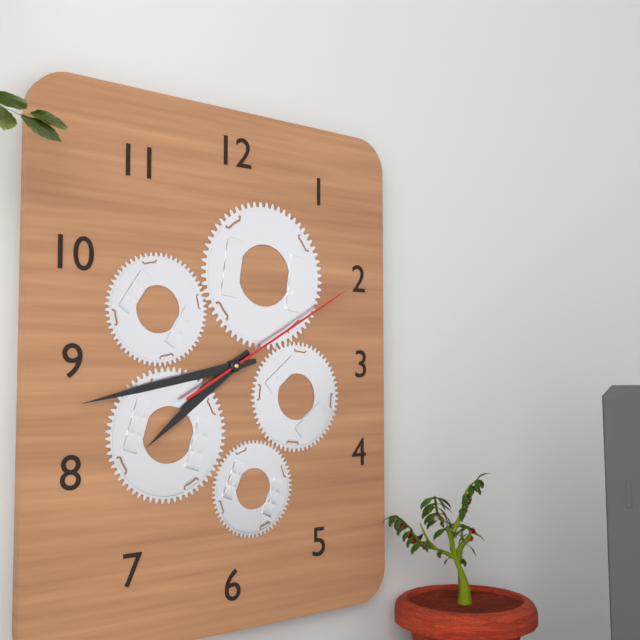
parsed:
**7:43:10**
